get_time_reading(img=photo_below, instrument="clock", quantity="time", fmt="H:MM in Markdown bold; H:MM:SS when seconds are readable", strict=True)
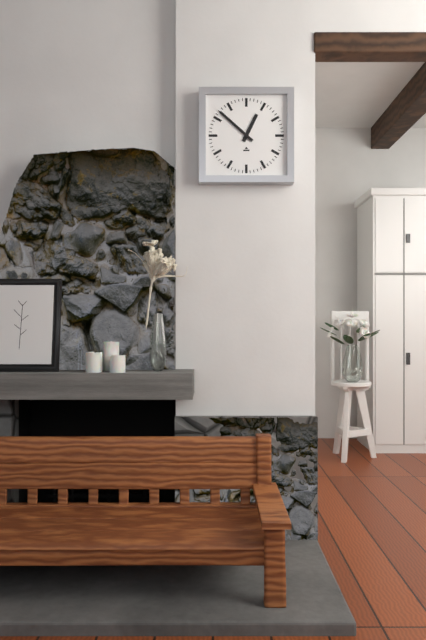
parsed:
**12:52**
